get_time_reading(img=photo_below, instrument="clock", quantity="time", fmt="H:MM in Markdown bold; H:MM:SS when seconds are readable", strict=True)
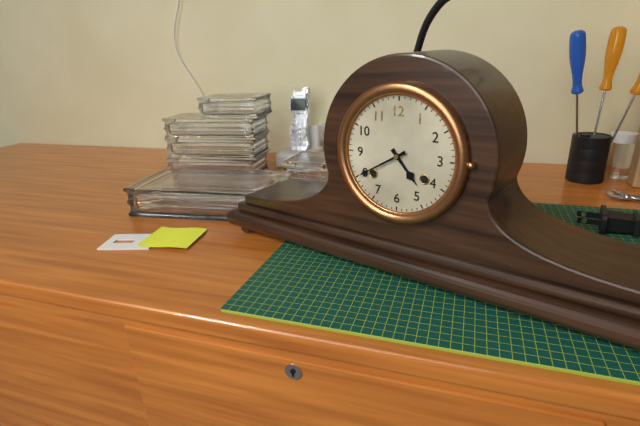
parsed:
**4:40**
